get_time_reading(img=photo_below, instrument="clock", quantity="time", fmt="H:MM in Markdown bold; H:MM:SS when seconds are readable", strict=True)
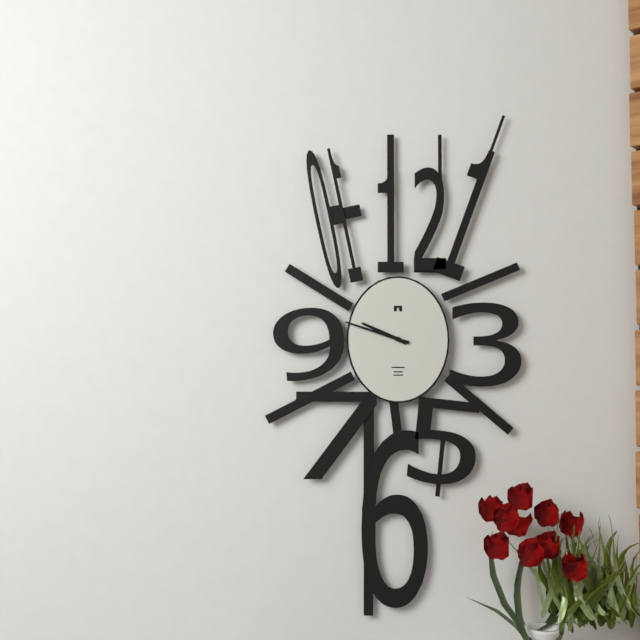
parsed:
**9:48**
